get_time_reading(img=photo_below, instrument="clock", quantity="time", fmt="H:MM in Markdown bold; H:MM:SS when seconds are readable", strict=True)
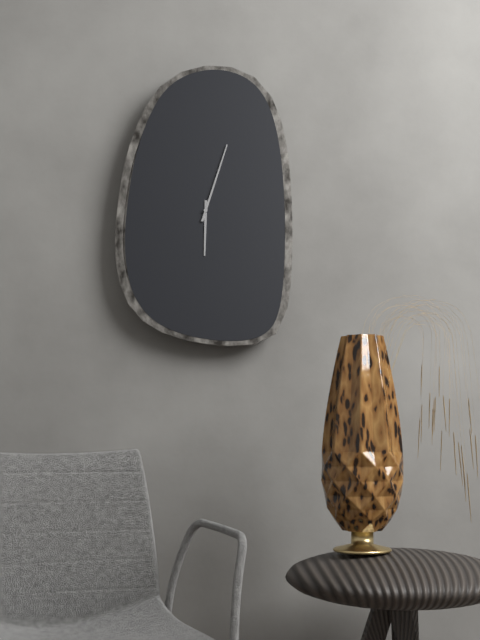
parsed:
**6:03**
